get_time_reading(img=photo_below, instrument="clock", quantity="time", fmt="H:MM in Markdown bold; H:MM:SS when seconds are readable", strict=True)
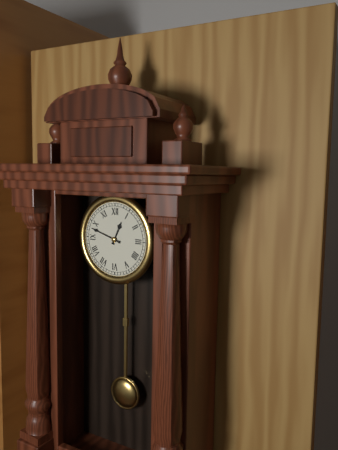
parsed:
**12:48**
